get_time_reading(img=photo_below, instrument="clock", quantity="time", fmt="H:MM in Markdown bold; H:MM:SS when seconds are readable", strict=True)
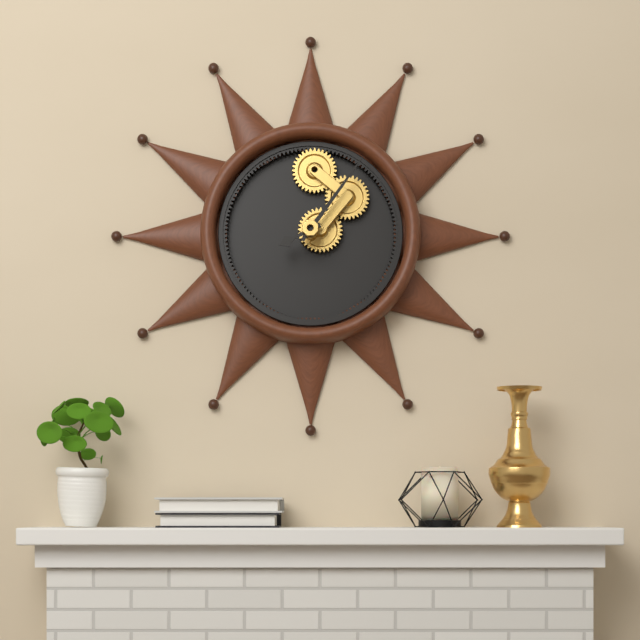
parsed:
**8:06**
